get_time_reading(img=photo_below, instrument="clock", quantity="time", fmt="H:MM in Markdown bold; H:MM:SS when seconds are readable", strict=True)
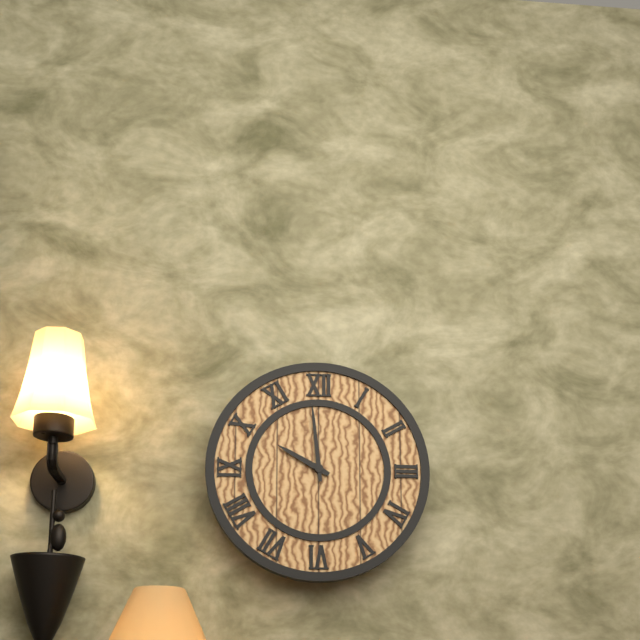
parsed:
**9:59**
